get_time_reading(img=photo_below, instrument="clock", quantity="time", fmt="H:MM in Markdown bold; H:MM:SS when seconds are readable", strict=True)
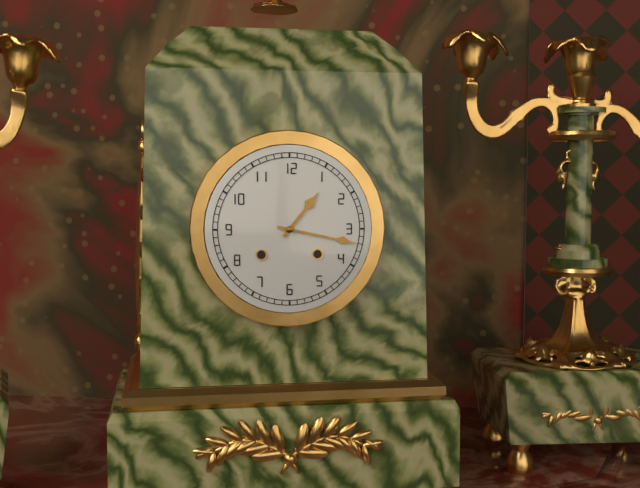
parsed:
**1:17**
